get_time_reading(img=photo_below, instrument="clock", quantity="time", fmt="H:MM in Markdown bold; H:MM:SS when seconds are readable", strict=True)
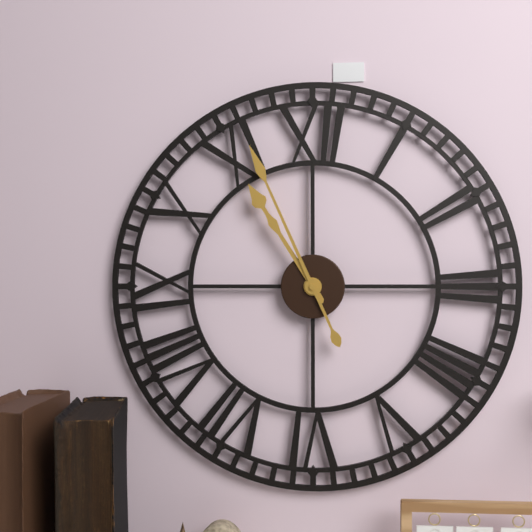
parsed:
**10:56**
